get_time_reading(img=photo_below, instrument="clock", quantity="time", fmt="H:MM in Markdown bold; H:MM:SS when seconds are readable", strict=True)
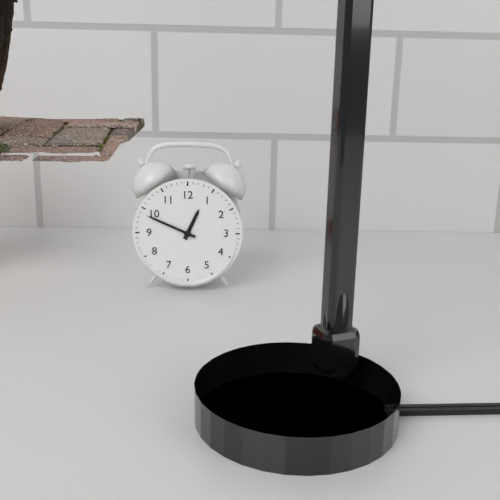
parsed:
**12:49**
